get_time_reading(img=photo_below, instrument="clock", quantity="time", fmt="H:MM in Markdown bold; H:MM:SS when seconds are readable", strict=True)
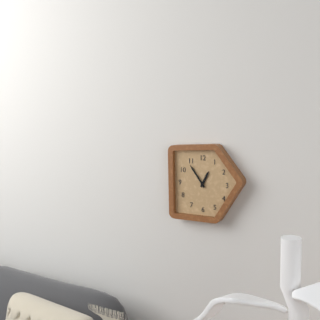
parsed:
**12:54**
